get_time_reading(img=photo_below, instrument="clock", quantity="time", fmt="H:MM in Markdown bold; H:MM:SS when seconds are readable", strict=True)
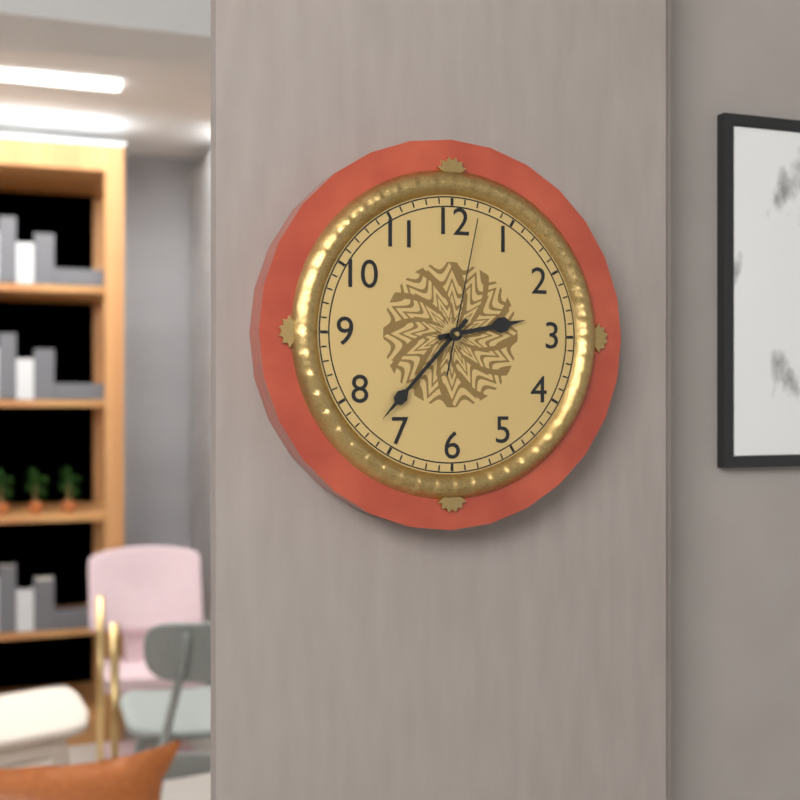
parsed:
**2:37:02**
